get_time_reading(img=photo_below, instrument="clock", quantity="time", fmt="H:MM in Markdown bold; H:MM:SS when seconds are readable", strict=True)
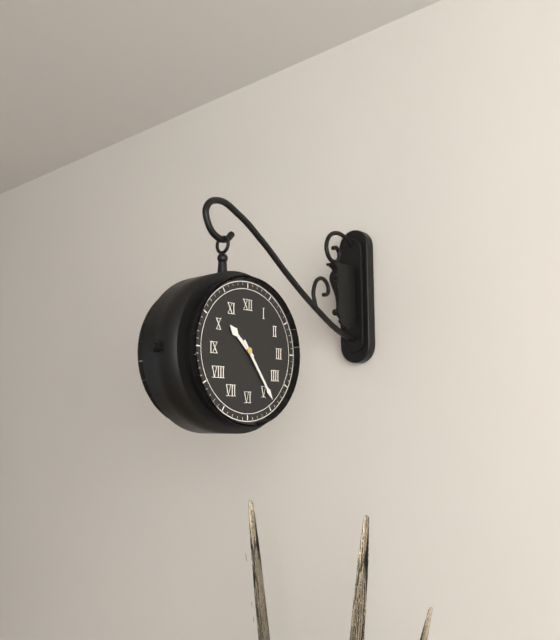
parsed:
**10:24**
